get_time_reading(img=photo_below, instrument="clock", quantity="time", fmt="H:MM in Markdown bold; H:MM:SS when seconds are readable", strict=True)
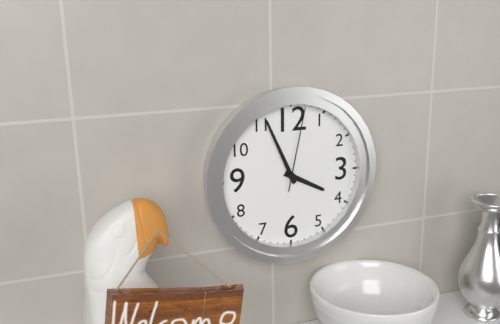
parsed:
**3:56:02**
